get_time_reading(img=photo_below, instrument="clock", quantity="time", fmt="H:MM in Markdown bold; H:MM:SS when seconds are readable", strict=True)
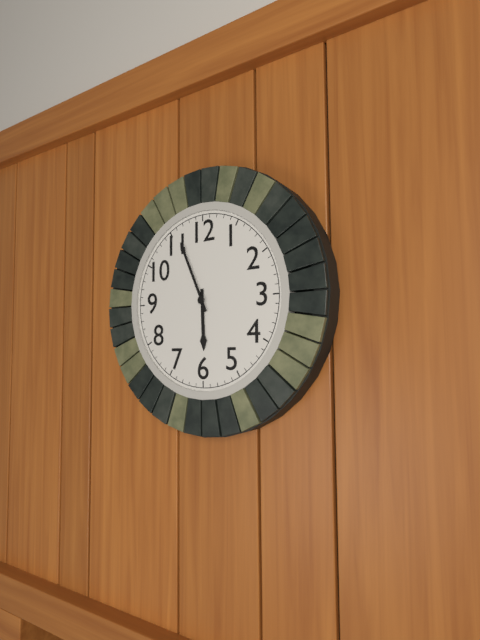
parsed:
**5:56**
